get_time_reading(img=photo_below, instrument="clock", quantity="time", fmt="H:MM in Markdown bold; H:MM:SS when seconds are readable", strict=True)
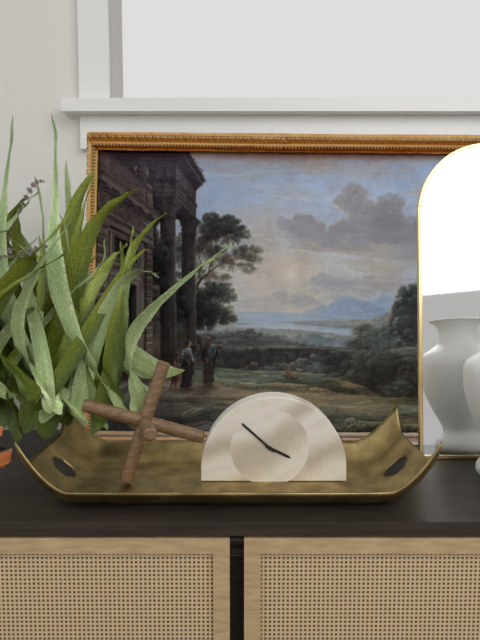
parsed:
**3:52**
